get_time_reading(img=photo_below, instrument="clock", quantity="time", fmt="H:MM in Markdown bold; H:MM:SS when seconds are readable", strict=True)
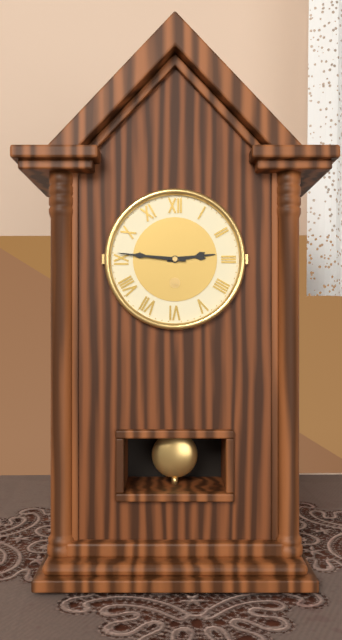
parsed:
**2:46**
